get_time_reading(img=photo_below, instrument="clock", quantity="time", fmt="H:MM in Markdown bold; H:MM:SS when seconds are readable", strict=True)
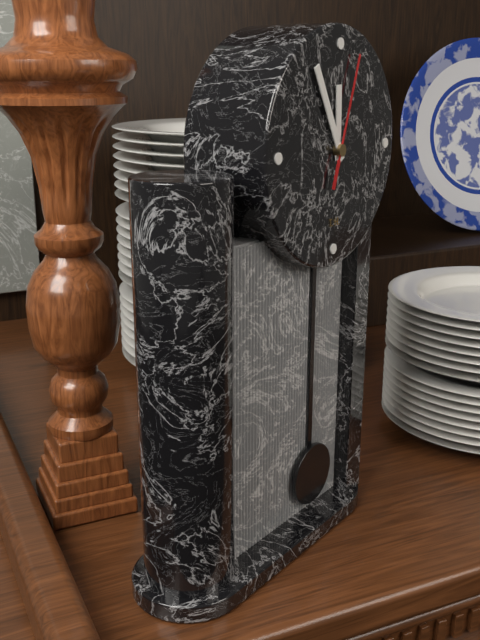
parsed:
**11:55:03**
